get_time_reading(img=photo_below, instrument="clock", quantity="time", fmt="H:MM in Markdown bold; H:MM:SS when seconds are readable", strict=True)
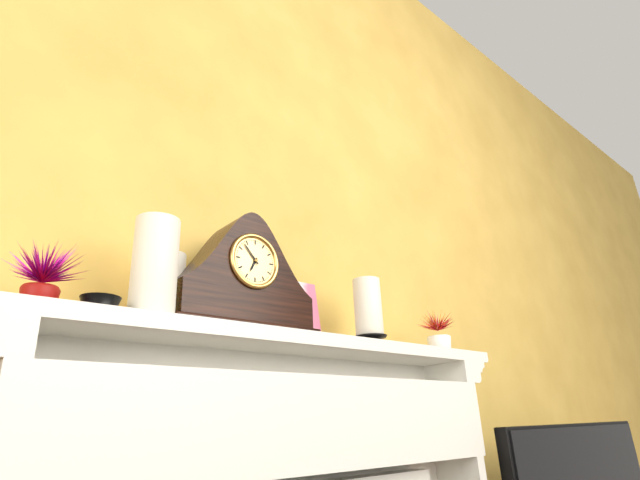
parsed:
**6:53**
